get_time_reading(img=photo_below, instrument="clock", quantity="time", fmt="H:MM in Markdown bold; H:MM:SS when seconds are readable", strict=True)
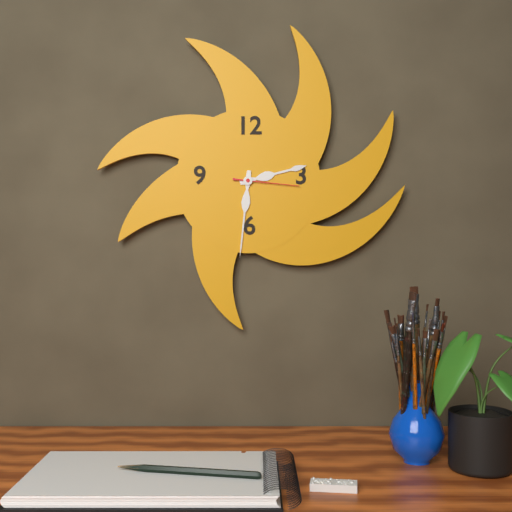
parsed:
**2:31:16**
